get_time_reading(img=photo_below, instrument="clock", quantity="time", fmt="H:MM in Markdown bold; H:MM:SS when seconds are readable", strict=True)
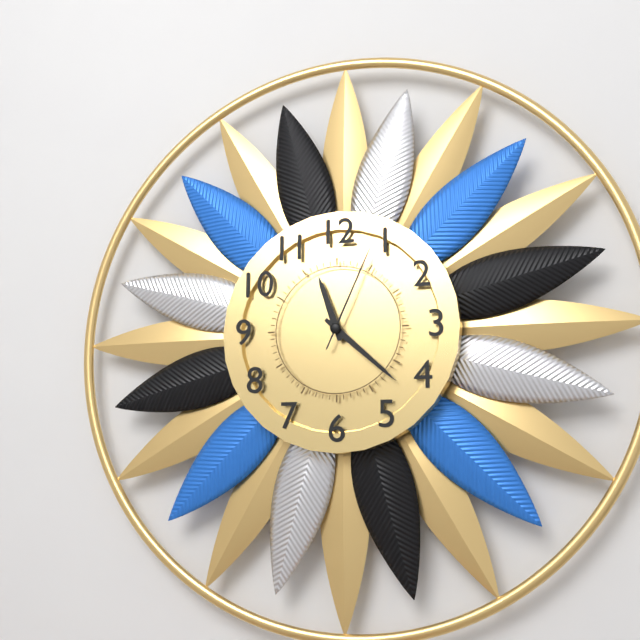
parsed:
**11:22:04**
